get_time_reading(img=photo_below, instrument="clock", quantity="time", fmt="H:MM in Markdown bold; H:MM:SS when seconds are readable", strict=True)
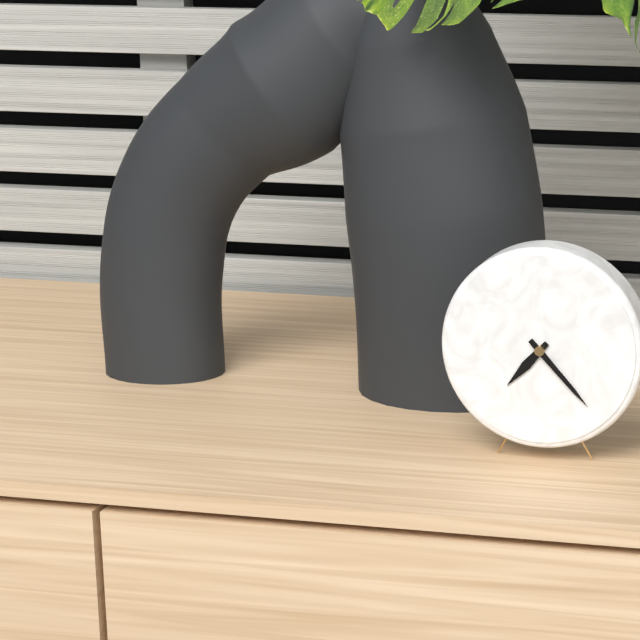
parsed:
**7:23**
